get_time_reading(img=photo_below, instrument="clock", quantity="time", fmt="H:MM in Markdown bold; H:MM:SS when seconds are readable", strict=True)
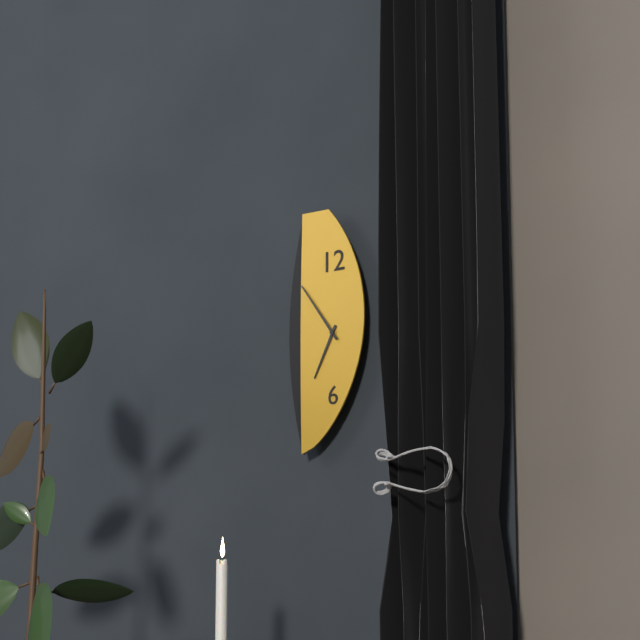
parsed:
**6:54**
